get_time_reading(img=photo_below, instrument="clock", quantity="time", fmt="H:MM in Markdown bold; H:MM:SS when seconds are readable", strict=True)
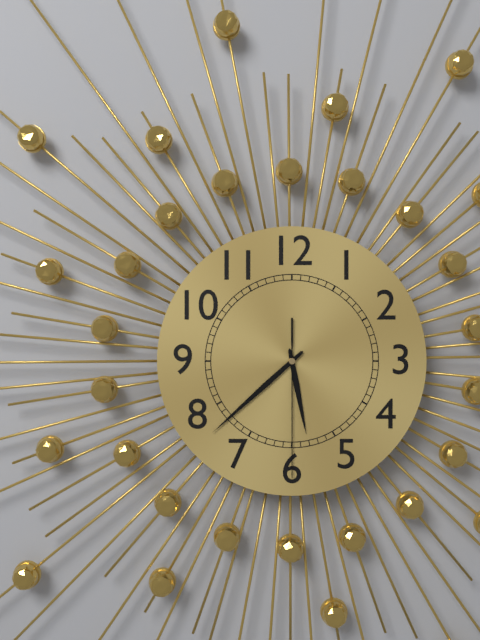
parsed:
**5:38:30**
